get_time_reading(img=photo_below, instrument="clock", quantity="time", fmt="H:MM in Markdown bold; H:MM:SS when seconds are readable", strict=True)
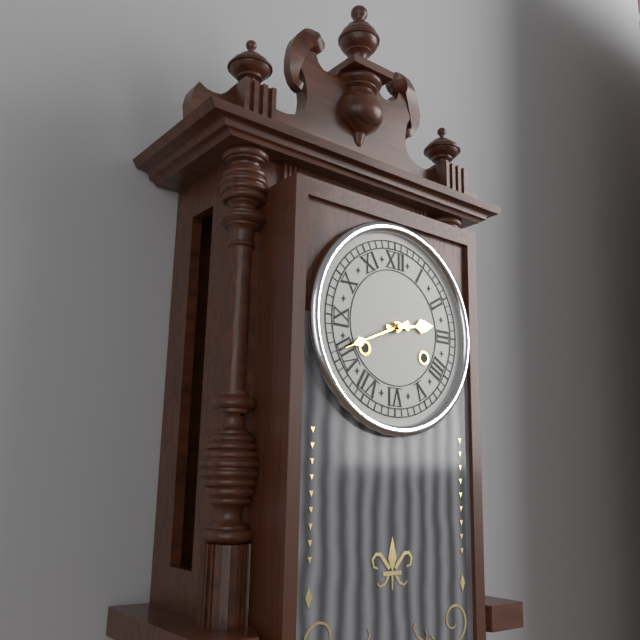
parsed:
**2:41**
